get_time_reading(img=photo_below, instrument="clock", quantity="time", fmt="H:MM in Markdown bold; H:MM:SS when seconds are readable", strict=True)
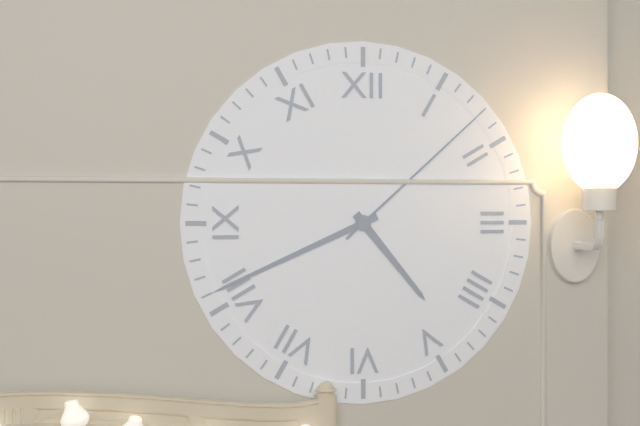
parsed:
**4:41:08**
